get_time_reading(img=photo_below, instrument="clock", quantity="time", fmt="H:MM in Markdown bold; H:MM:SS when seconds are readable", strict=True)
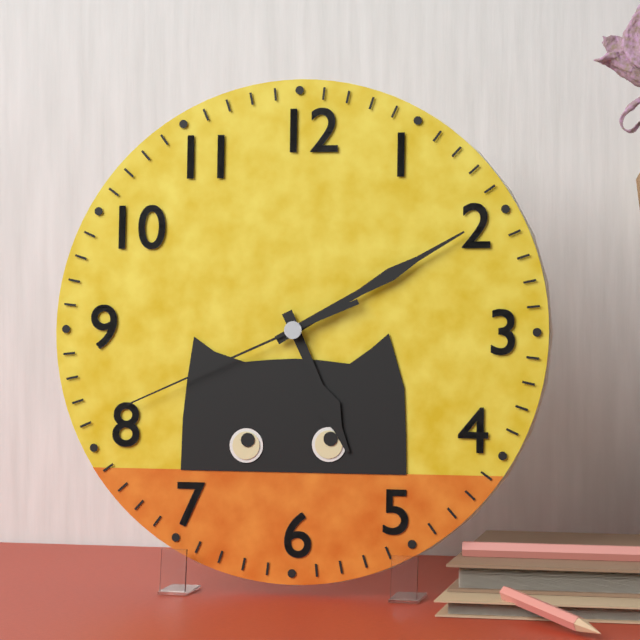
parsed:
**5:10:41**
